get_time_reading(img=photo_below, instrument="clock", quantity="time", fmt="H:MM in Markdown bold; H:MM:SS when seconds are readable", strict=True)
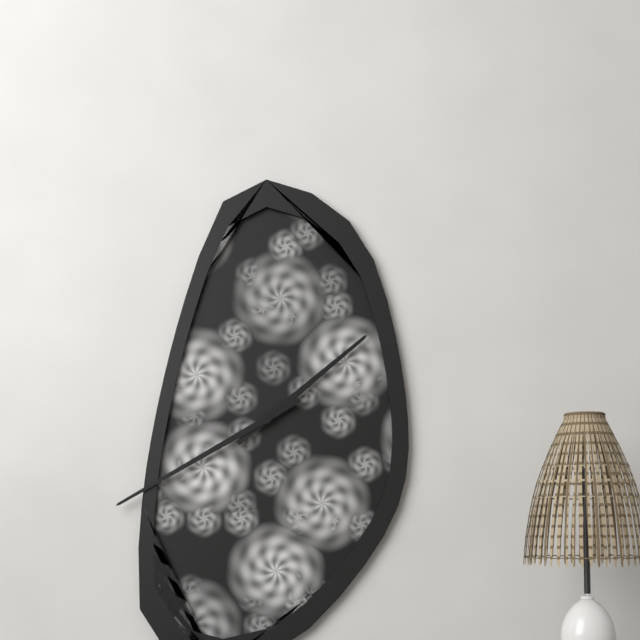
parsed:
**1:40**
